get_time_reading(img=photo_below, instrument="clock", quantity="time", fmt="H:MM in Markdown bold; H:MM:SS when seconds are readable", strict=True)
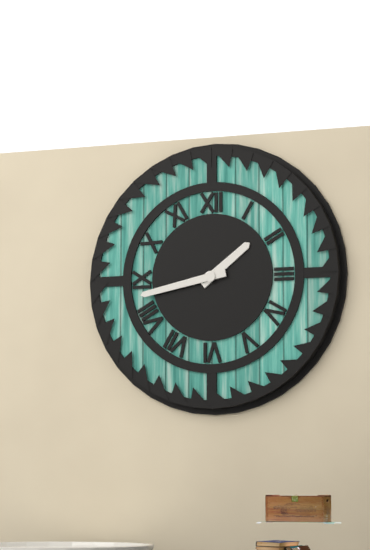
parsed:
**1:43**
